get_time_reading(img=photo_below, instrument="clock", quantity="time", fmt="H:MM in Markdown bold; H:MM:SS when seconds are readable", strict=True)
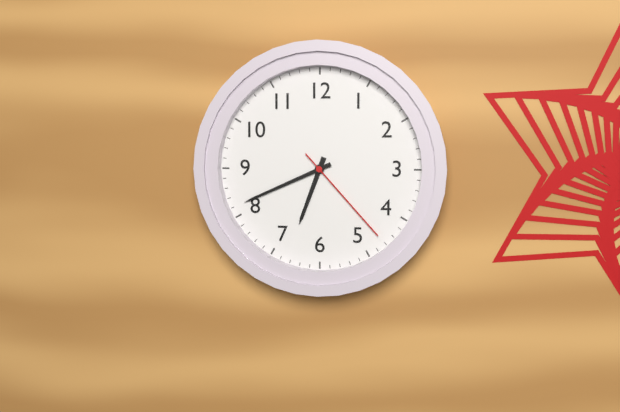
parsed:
**6:41:23**
